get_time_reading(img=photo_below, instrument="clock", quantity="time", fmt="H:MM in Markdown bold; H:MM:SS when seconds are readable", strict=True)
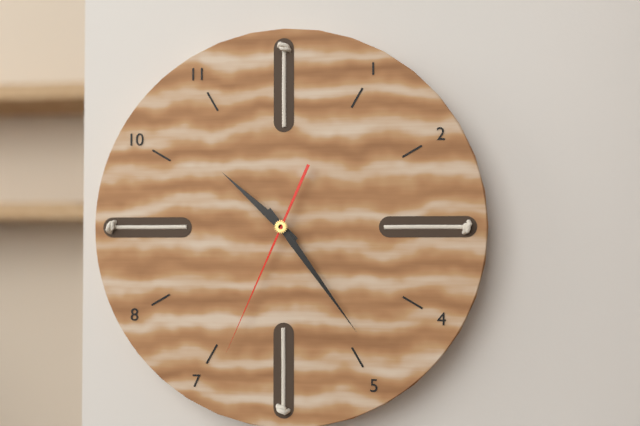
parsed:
**10:24:34**
